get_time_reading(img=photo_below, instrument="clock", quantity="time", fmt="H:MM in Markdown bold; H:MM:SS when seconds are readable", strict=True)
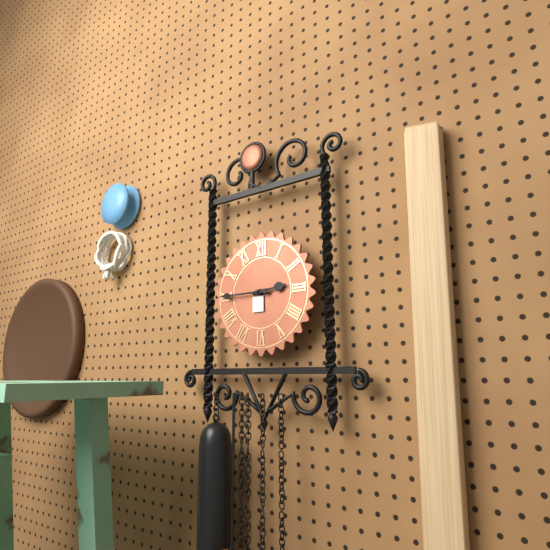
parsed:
**2:45**
